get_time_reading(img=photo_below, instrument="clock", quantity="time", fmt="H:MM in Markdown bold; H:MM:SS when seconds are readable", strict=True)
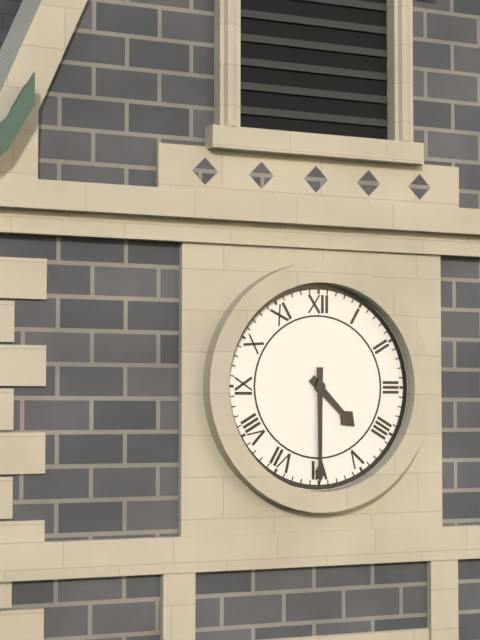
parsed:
**4:30**
